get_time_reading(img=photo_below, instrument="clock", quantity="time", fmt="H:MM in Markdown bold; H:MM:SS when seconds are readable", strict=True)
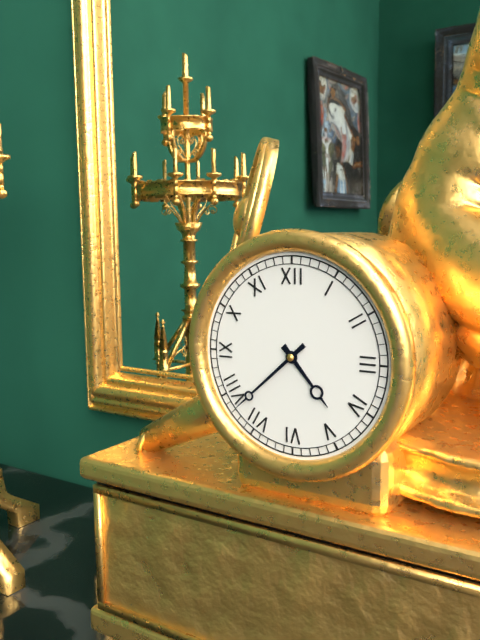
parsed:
**4:38**
